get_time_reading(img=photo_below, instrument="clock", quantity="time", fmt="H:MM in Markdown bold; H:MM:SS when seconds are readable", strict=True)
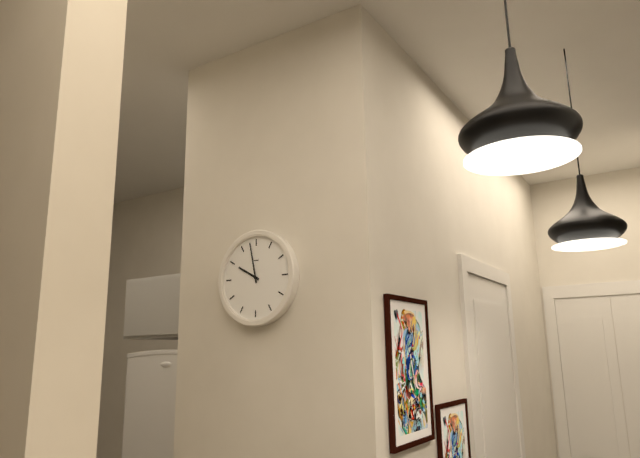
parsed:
**9:58**
